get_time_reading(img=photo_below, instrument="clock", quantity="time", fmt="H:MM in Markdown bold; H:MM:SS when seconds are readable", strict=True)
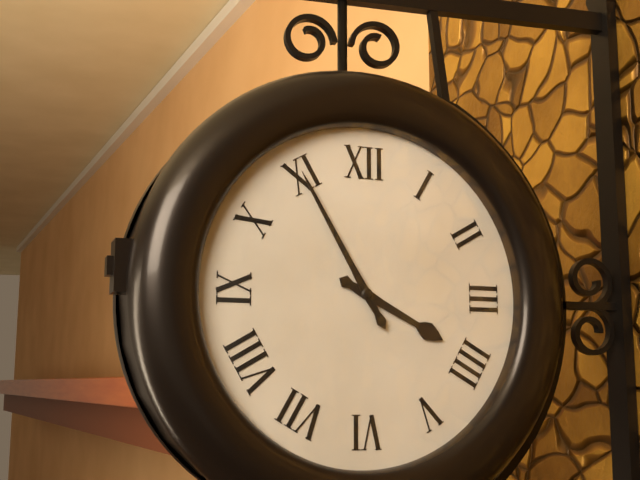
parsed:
**3:55**
